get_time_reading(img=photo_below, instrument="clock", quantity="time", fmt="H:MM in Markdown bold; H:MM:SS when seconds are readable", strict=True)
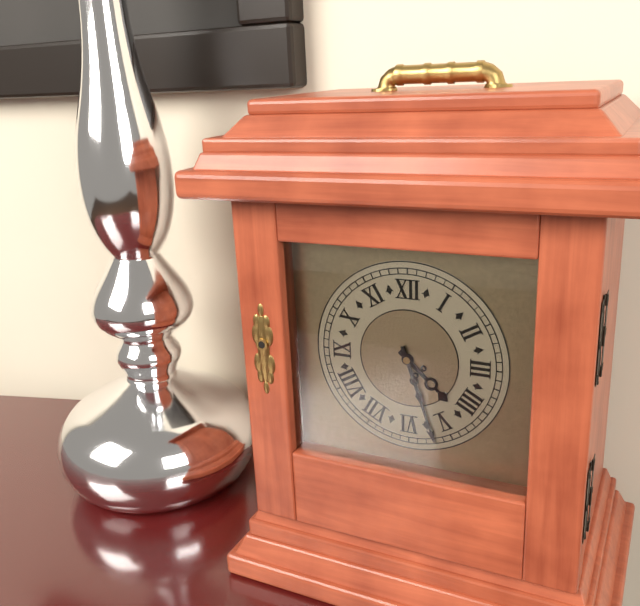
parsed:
**4:27**
